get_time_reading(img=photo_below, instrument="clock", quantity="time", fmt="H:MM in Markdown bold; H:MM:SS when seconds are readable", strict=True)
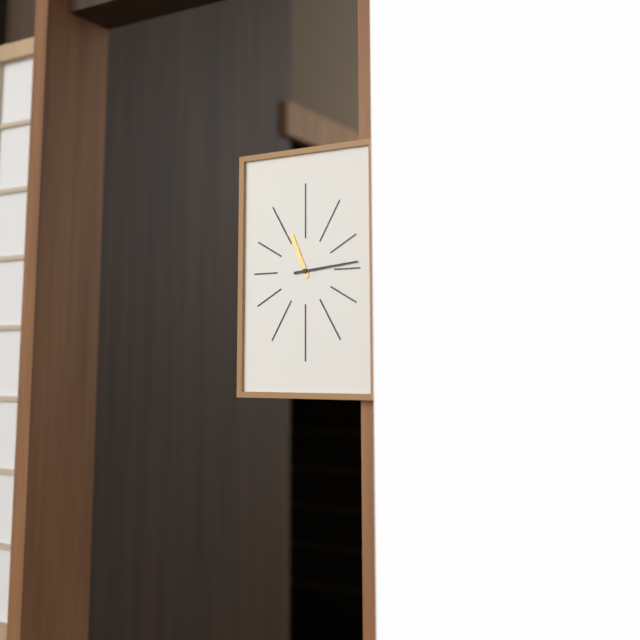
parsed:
**11:14**
